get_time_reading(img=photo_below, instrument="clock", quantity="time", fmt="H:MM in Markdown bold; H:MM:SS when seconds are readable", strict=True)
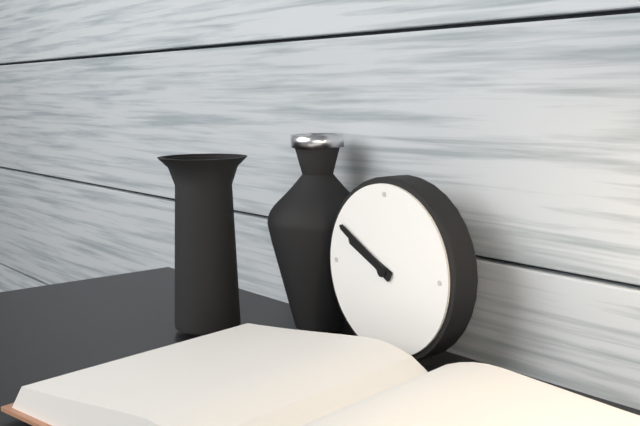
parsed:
**9:50**
